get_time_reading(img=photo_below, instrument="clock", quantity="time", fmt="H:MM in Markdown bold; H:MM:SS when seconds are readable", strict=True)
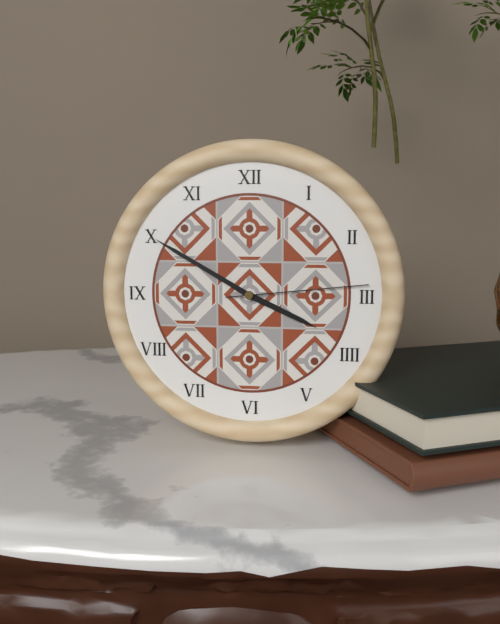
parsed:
**3:50:14**
